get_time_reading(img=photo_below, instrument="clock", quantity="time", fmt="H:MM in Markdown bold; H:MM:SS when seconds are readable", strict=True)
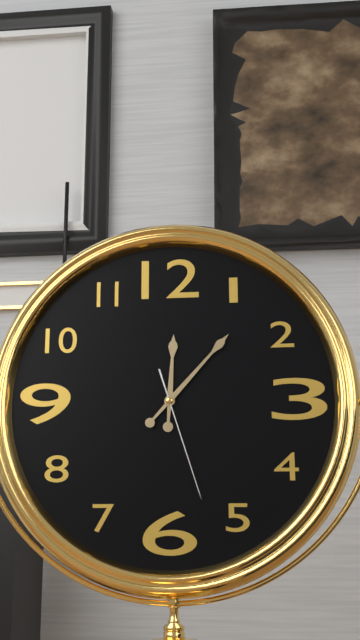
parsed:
**12:07:27**
